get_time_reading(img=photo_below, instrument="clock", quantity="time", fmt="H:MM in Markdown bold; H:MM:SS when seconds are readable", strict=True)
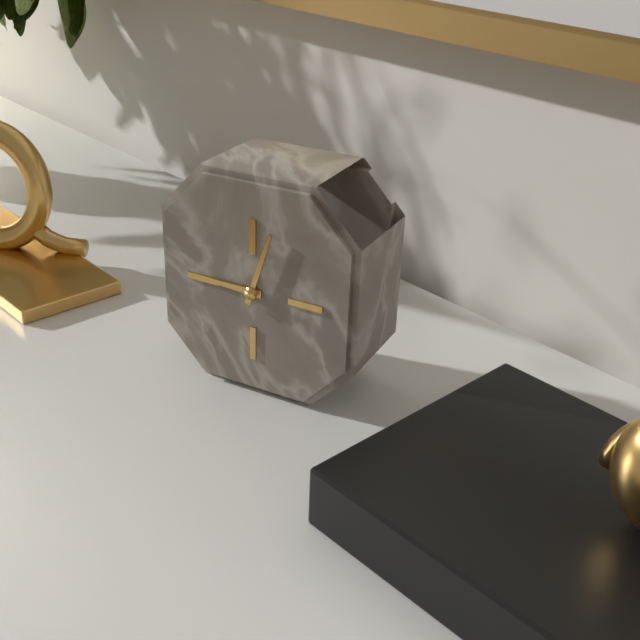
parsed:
**9:03**
